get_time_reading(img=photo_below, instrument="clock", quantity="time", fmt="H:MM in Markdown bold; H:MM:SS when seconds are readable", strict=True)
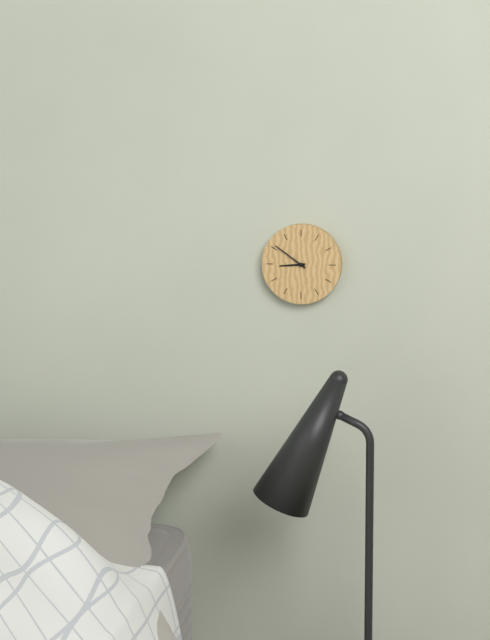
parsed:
**8:51**
